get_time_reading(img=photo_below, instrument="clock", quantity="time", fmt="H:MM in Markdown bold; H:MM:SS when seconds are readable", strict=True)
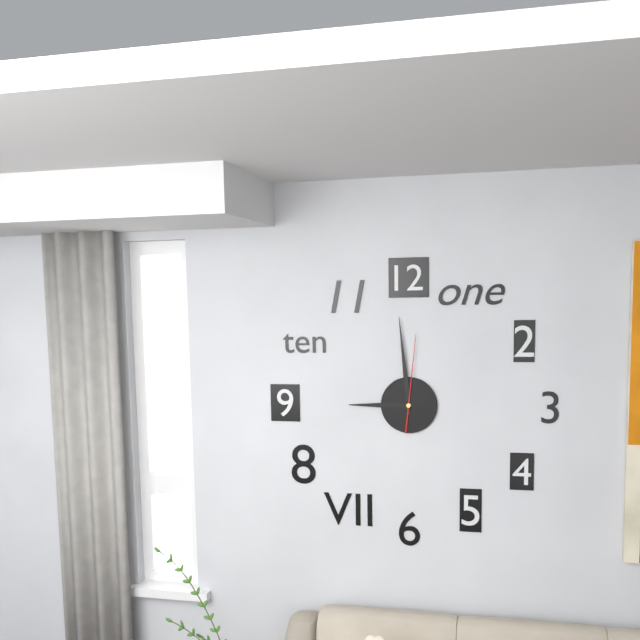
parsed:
**8:59:01**
